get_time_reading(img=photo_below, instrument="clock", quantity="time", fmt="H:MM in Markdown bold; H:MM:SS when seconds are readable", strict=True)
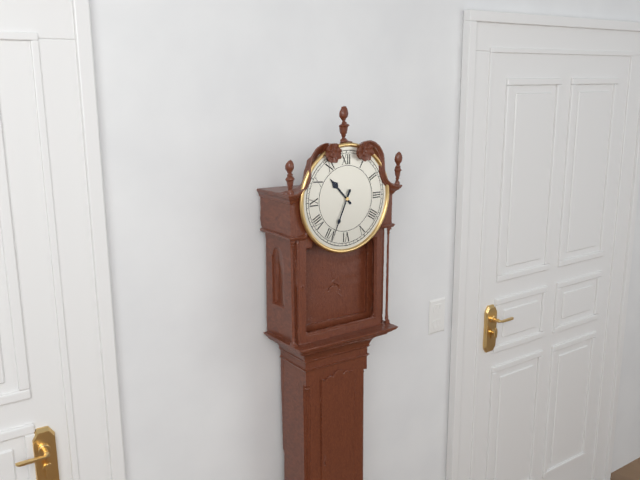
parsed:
**10:34**
